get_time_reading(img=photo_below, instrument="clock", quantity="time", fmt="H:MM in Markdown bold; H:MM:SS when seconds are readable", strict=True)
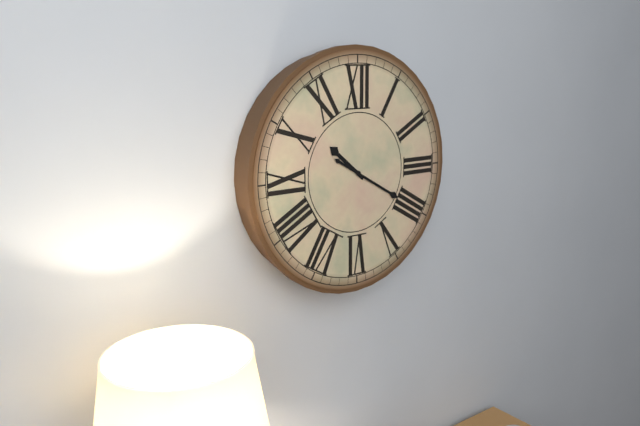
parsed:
**10:20**
